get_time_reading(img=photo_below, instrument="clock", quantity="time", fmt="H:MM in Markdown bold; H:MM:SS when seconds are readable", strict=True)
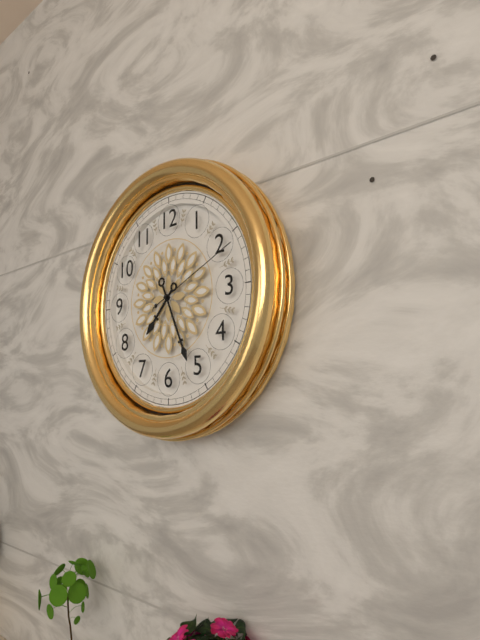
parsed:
**7:26:11**
